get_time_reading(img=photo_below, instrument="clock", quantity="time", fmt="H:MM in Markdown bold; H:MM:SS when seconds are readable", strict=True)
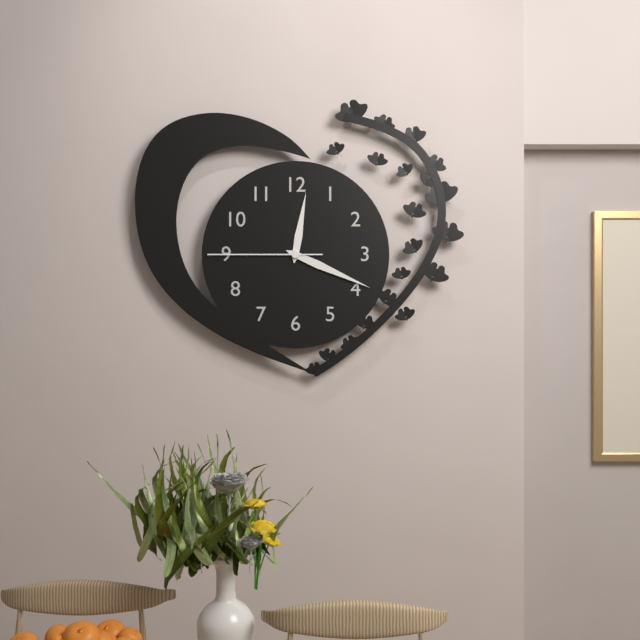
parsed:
**12:19:45**
